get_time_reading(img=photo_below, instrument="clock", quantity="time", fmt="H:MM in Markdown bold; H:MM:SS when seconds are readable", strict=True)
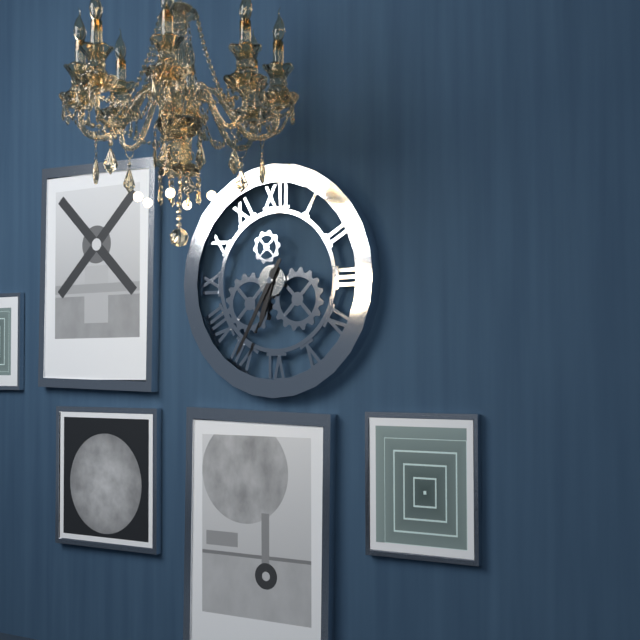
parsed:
**6:35**
